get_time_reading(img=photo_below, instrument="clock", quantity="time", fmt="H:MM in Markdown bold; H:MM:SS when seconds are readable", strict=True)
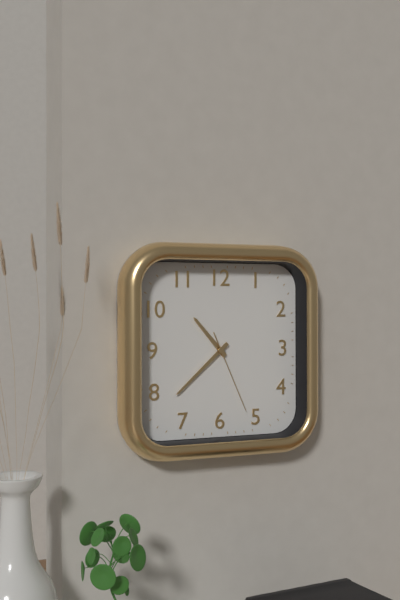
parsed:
**10:38:26**
